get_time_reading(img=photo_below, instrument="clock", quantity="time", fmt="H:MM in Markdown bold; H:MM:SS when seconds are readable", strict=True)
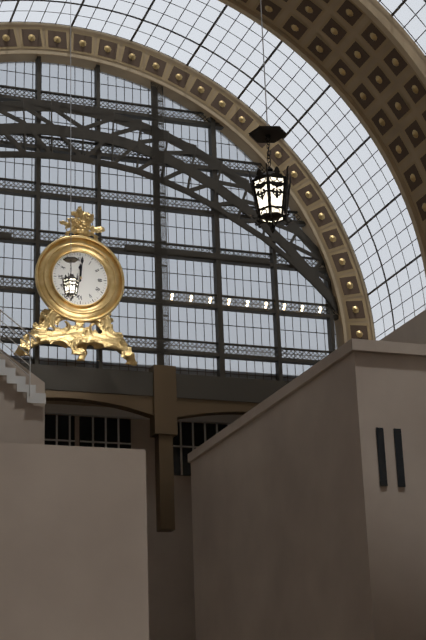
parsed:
**12:01**
